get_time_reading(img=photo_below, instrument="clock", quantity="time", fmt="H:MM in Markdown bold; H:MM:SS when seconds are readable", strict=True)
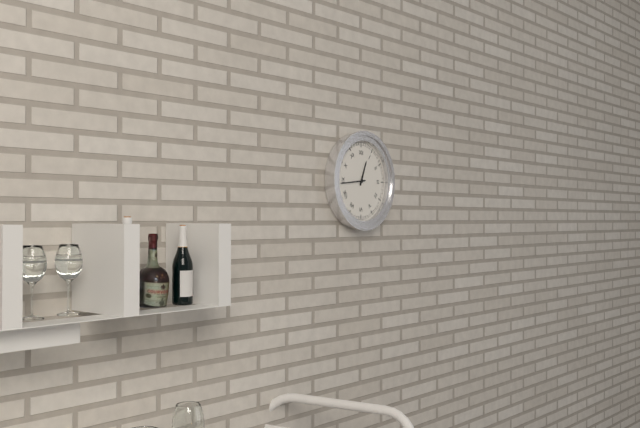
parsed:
**12:44**
